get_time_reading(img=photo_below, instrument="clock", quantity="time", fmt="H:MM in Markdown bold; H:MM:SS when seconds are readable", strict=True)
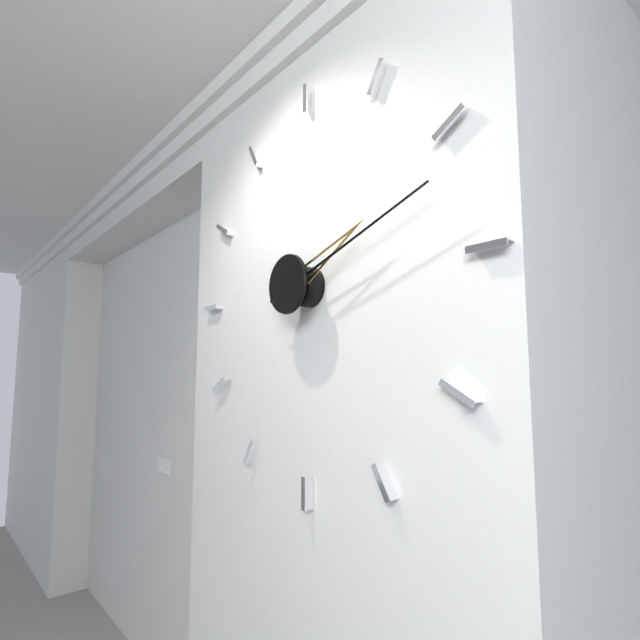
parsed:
**2:12**
